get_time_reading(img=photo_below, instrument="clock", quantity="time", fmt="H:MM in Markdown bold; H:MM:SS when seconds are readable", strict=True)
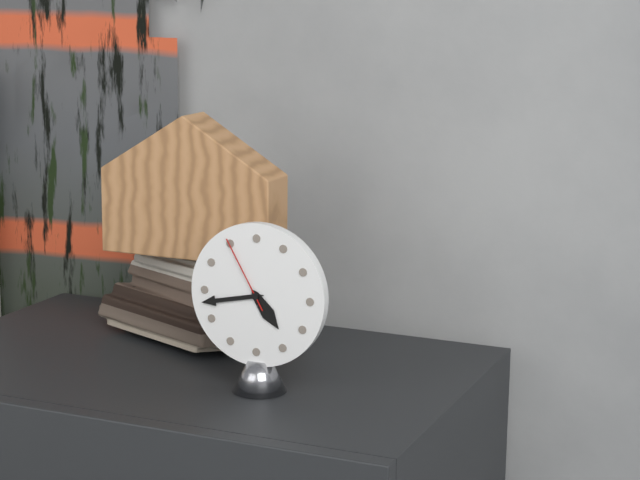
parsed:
**4:43:55**
